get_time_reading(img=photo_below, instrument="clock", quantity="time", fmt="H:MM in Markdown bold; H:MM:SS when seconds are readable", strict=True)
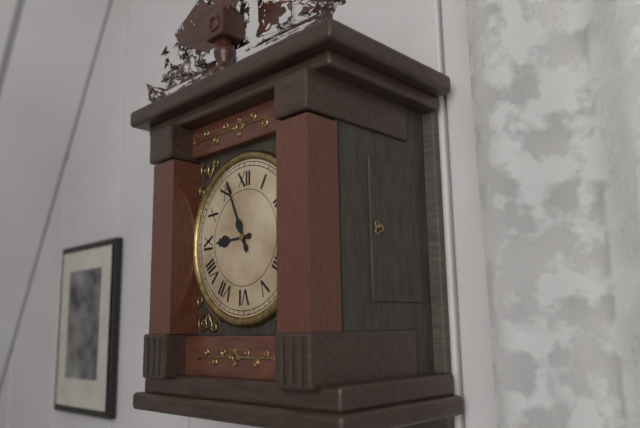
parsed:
**8:56**
